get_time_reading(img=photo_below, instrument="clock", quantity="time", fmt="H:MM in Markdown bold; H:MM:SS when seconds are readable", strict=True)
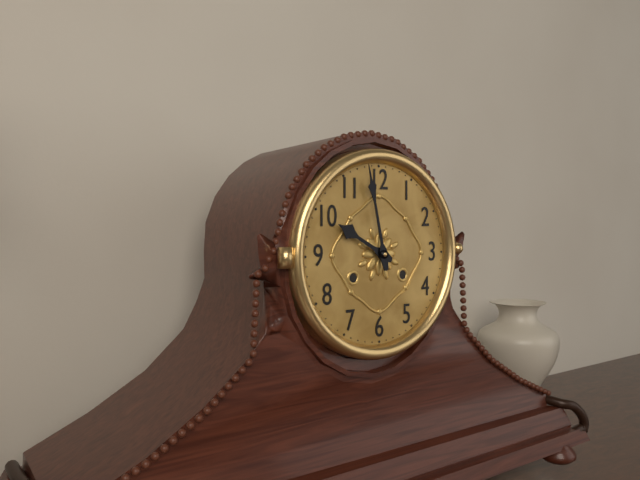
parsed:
**9:58**
